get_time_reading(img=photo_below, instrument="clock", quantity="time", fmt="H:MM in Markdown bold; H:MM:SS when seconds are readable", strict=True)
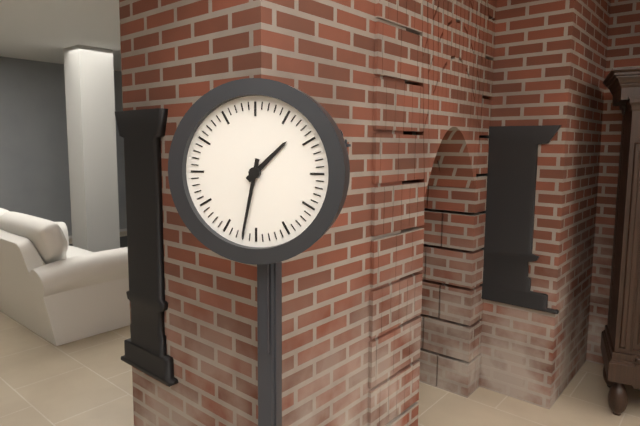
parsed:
**1:32**
